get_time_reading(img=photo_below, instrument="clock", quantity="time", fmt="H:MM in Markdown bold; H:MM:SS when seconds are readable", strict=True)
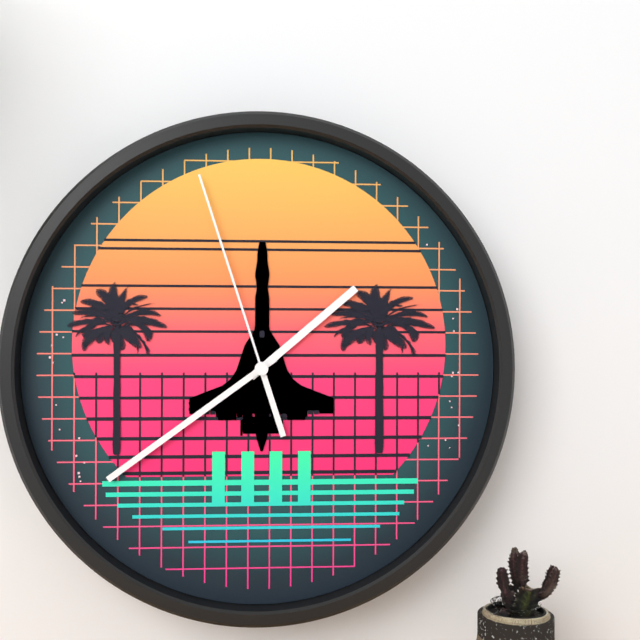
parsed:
**1:39:57**
